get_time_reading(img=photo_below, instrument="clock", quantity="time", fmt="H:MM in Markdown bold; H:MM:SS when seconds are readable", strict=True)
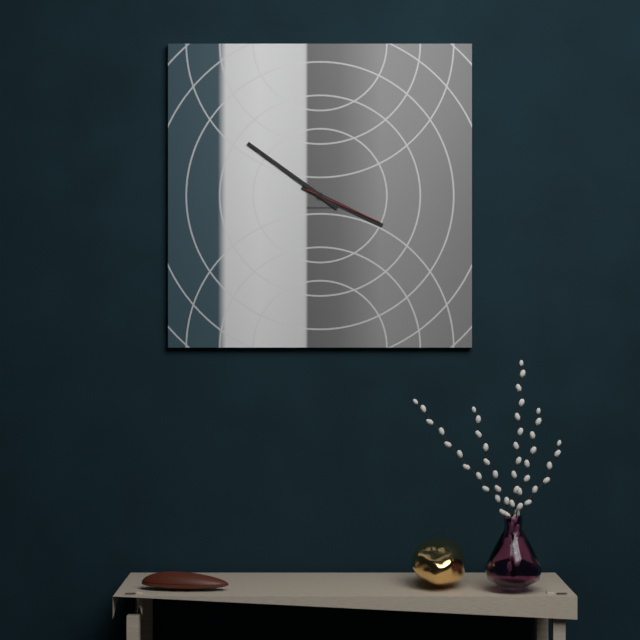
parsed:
**3:51:19**
